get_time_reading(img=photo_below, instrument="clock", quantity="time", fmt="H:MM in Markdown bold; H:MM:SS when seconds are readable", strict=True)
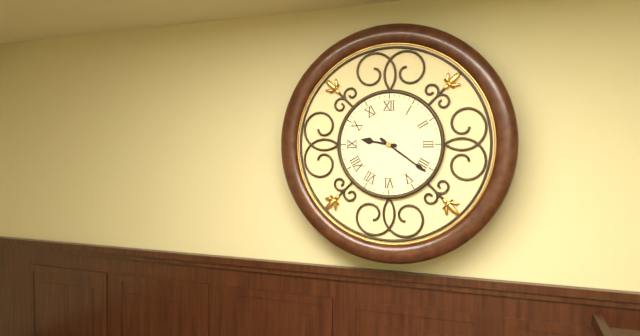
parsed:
**9:21**
